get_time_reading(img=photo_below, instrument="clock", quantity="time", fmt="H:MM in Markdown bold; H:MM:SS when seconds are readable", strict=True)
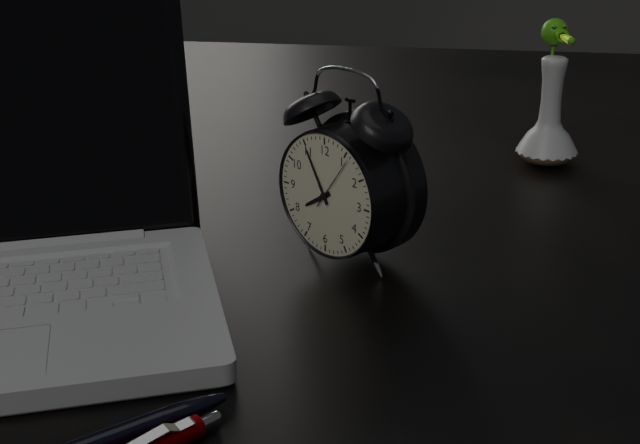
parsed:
**7:55**
